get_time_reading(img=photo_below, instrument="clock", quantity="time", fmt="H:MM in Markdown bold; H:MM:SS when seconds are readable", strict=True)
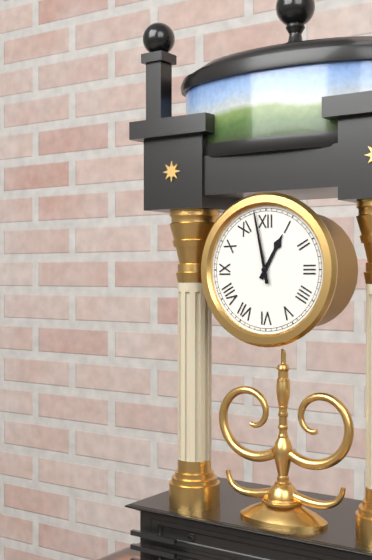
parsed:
**12:58**
